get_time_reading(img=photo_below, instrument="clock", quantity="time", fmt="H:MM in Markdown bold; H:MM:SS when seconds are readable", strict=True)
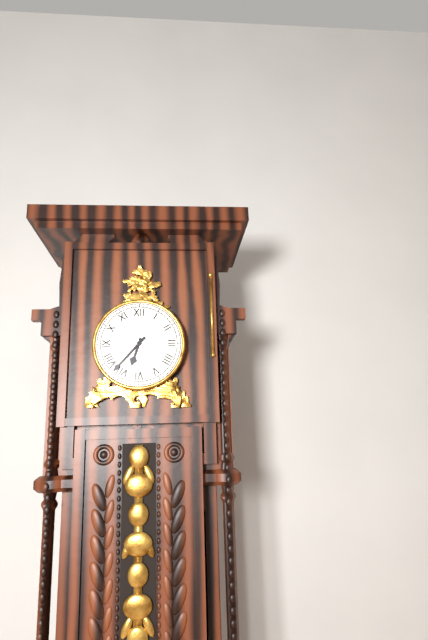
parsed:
**6:37**
